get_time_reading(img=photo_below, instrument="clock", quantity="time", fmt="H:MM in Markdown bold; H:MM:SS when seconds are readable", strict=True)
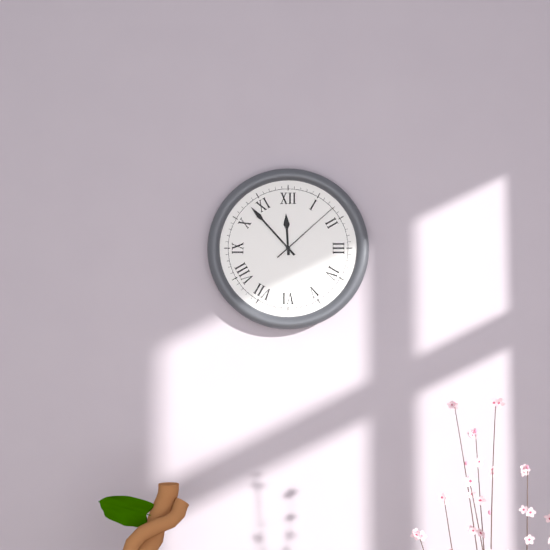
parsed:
**11:53:08**
